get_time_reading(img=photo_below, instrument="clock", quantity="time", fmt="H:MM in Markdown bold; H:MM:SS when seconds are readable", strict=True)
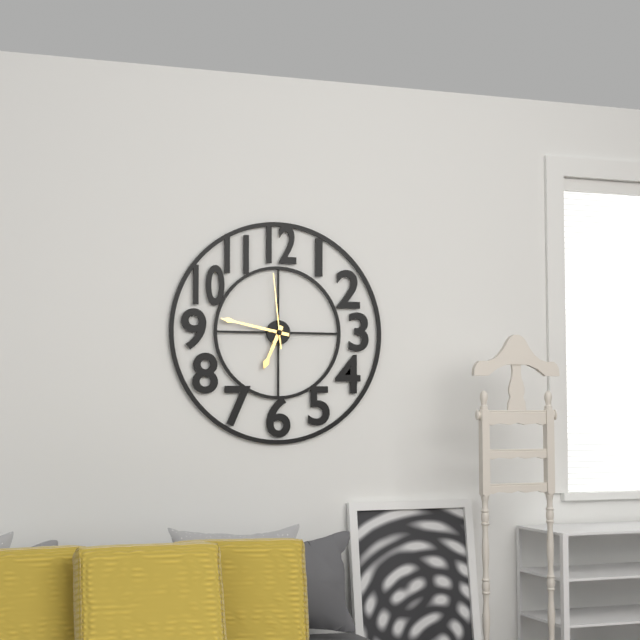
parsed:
**6:47:59**
